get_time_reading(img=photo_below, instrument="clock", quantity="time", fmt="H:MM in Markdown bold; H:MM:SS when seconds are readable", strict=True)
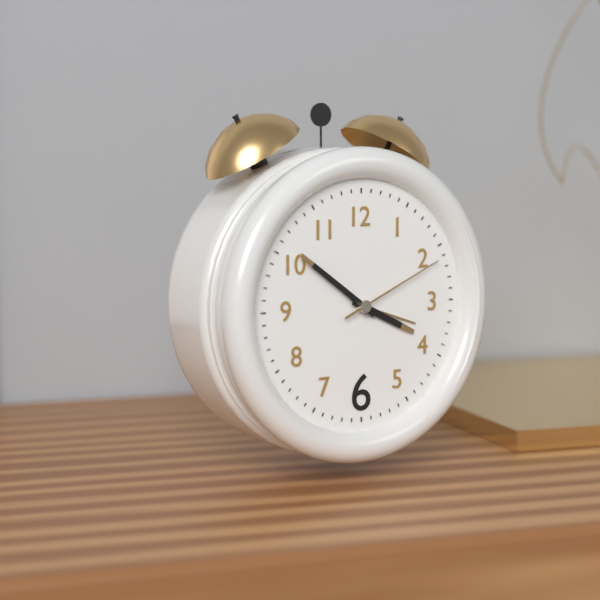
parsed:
**3:51:11**
